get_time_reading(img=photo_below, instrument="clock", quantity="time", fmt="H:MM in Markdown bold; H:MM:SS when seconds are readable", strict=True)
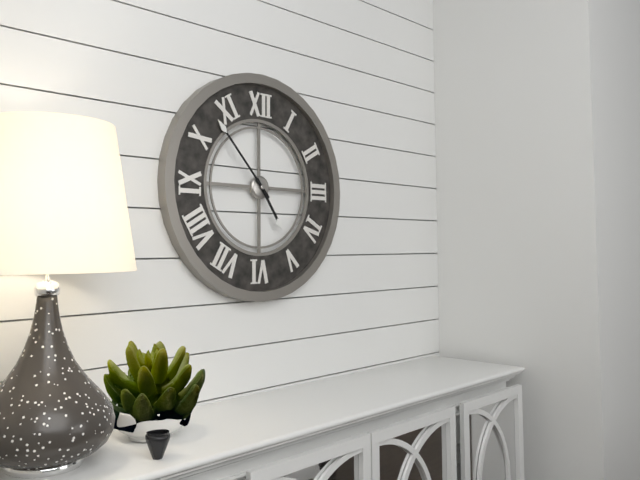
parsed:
**4:53**
